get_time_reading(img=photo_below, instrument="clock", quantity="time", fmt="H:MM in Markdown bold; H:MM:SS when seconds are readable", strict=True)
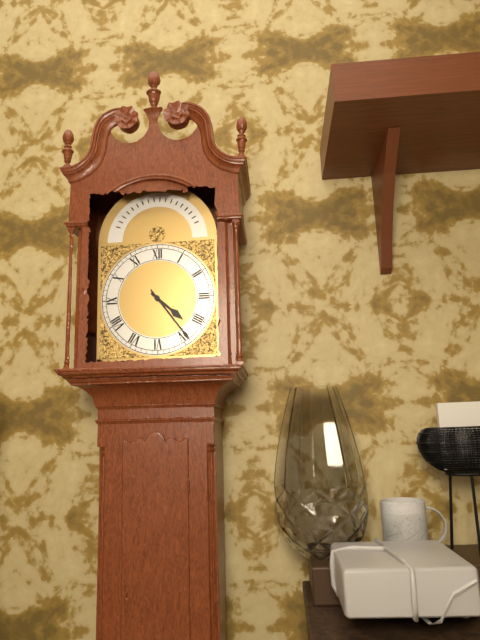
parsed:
**4:24**
